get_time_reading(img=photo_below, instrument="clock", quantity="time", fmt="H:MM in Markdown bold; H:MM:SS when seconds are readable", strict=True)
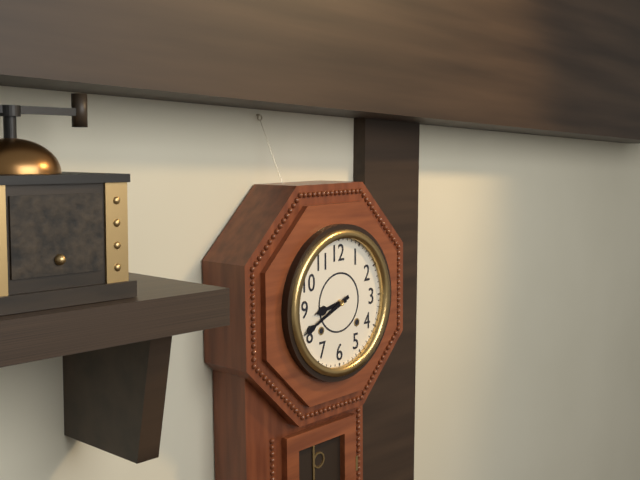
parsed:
**8:41**
